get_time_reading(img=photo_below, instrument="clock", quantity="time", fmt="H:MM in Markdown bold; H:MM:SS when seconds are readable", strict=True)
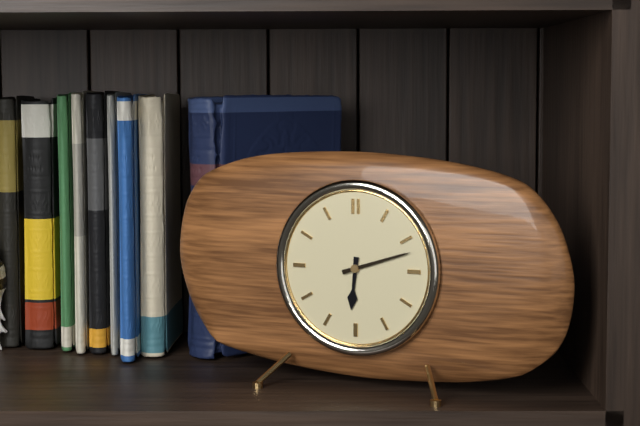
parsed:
**6:12**
